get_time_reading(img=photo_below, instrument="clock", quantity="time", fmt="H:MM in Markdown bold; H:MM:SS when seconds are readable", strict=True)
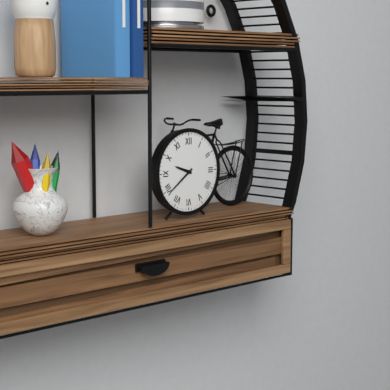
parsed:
**9:39**
